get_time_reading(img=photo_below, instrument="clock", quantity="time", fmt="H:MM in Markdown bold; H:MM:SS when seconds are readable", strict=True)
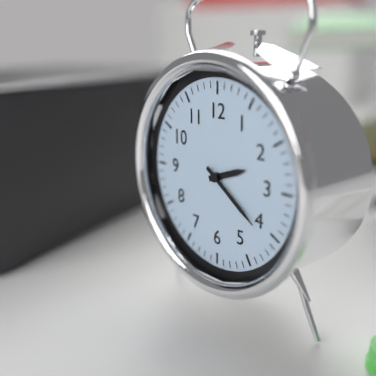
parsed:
**2:21**
